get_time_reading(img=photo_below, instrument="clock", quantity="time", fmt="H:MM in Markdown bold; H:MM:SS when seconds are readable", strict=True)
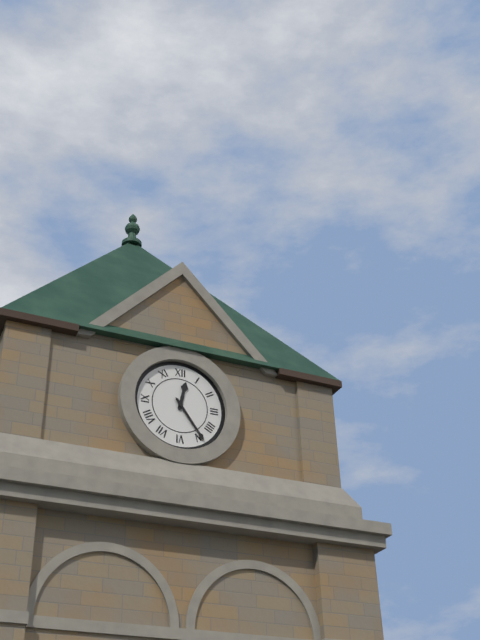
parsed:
**12:24**
